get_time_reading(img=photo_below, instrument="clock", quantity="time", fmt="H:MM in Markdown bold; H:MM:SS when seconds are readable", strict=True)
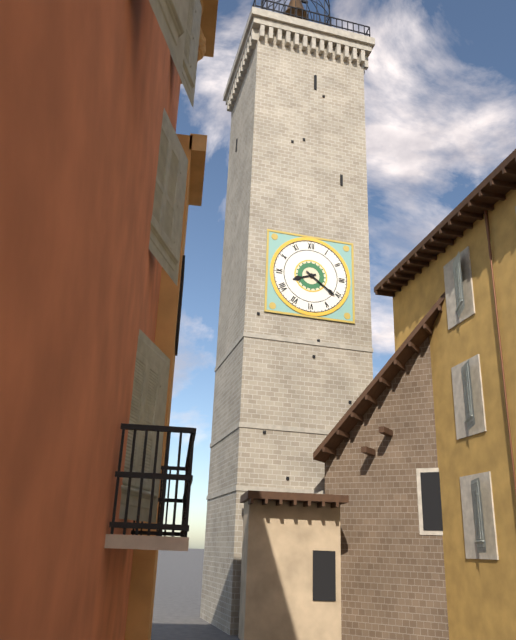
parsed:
**8:21**
